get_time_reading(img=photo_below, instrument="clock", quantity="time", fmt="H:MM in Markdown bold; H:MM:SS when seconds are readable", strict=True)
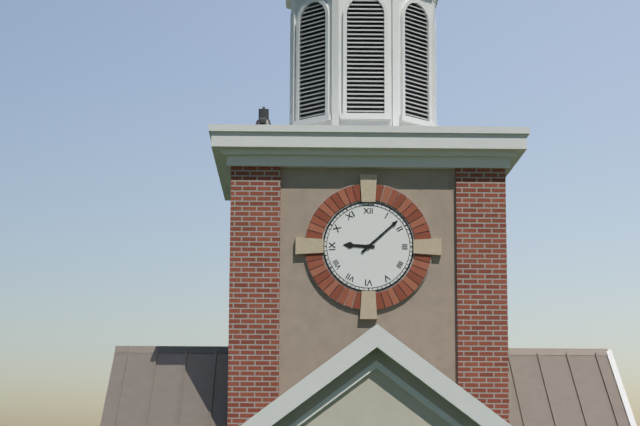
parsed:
**9:08**
